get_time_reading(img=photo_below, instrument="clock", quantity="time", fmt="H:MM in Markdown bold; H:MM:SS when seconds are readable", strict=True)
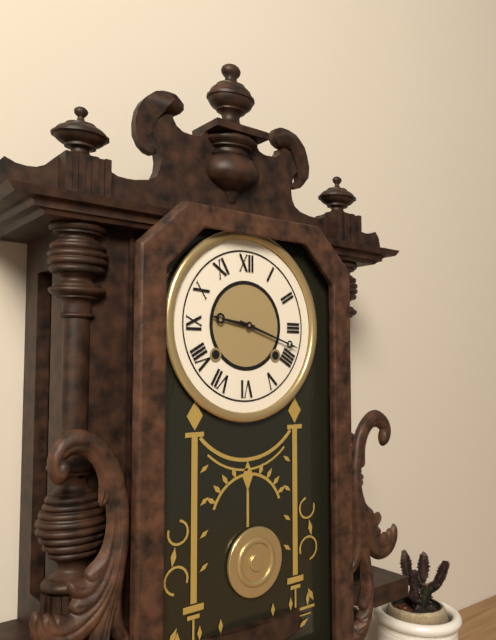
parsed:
**9:18**
